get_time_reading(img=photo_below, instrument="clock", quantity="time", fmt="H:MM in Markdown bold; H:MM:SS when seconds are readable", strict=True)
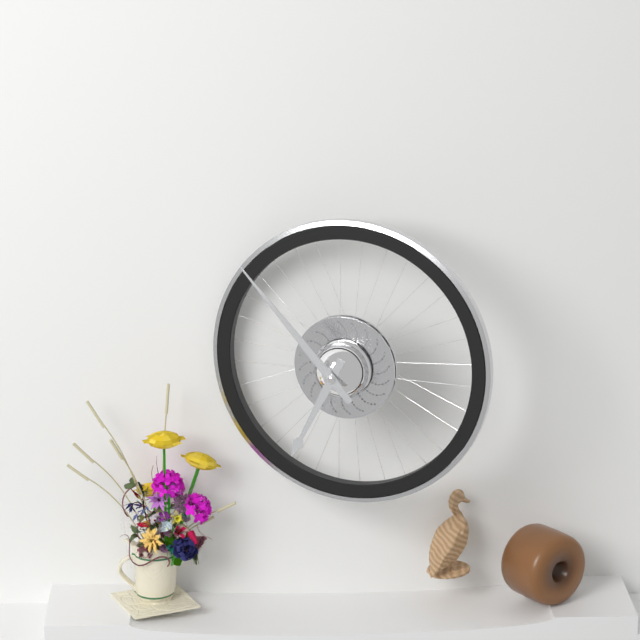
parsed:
**6:53**
